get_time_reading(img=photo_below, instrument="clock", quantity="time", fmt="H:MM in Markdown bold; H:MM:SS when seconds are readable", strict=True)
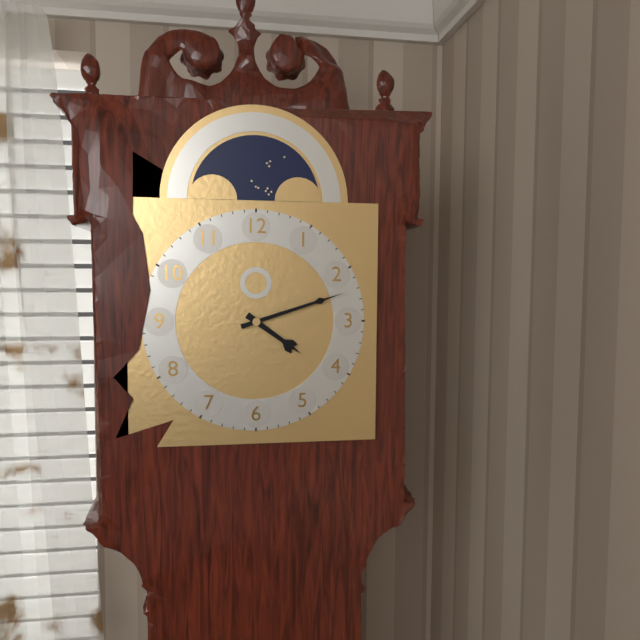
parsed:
**4:12**
